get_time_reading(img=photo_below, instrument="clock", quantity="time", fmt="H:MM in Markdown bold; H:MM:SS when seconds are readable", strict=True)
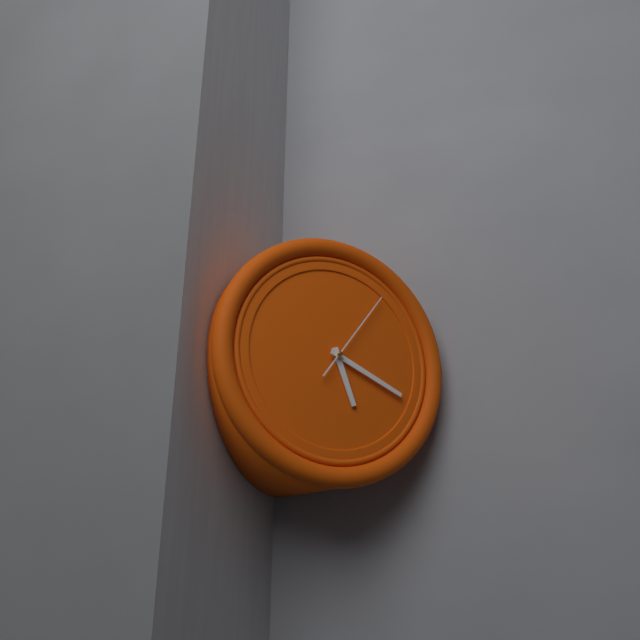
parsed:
**5:19:06**
